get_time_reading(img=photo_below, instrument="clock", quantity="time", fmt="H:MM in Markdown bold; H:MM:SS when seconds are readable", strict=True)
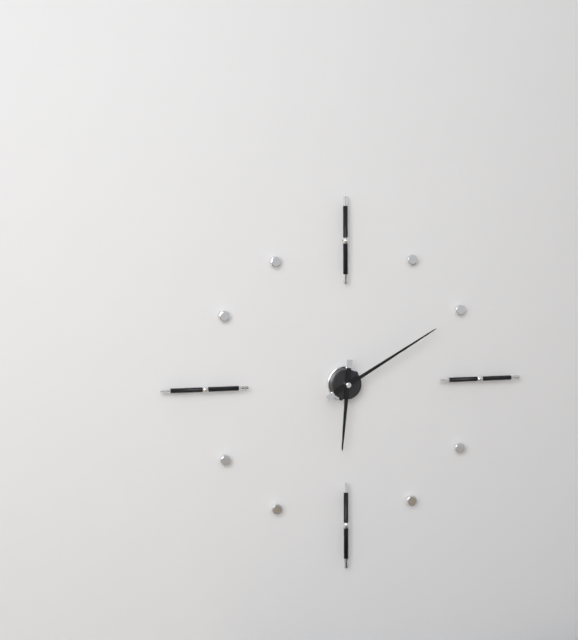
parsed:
**6:10**
